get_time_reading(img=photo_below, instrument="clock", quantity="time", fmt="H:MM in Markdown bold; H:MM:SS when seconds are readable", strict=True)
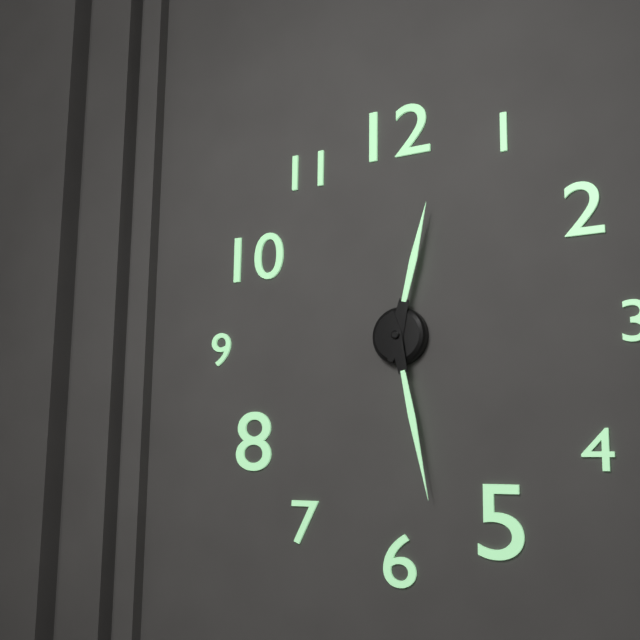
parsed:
**12:28**
